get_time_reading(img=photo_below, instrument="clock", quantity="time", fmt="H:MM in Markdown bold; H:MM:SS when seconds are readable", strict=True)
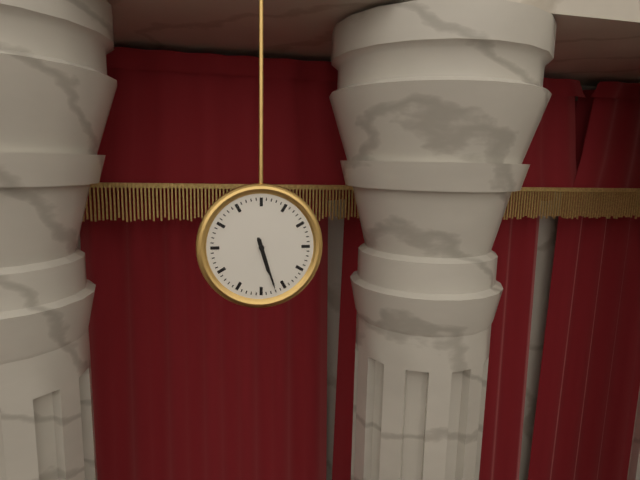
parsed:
**5:27**
